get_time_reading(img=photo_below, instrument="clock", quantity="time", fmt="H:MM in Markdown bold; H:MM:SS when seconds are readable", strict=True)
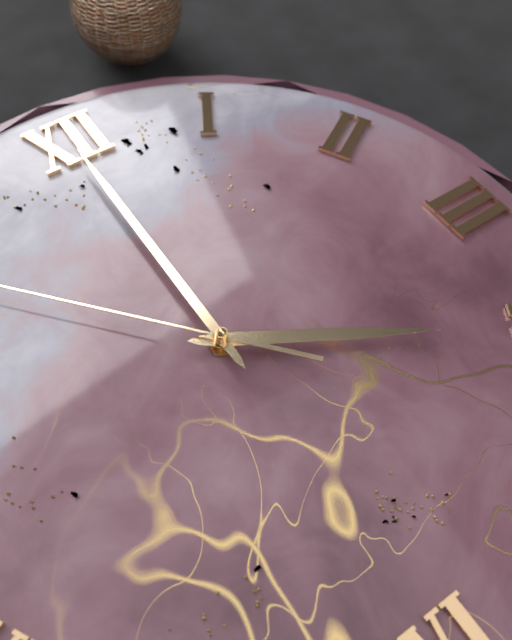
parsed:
**4:00**
